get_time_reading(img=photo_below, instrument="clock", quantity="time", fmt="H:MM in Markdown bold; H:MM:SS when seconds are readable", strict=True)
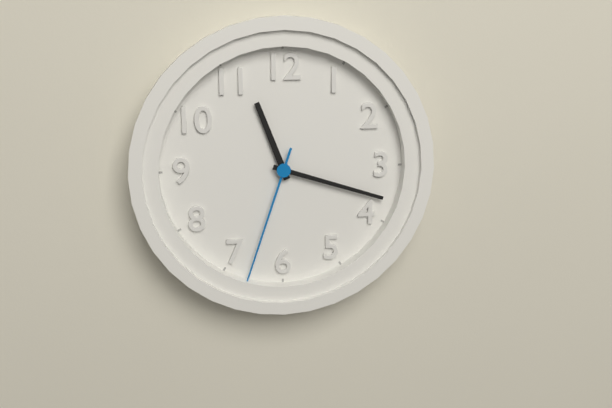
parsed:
**11:18:33**
